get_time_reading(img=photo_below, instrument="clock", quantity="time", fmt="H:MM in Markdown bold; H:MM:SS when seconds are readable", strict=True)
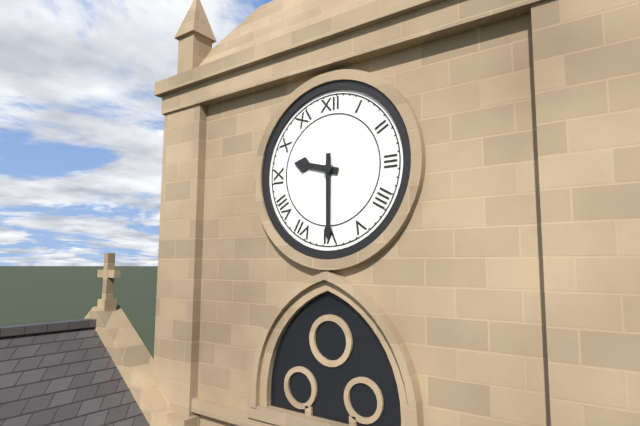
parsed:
**9:30**
